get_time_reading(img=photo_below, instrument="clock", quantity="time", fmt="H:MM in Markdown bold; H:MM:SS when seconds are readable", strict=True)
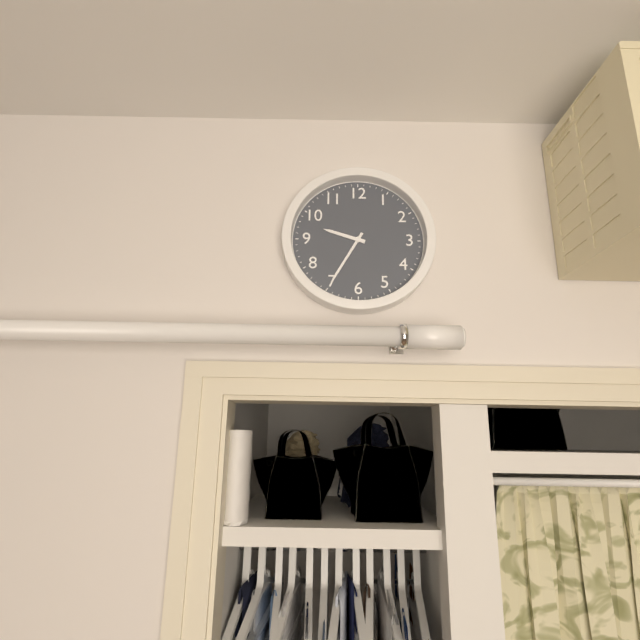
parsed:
**9:35**
